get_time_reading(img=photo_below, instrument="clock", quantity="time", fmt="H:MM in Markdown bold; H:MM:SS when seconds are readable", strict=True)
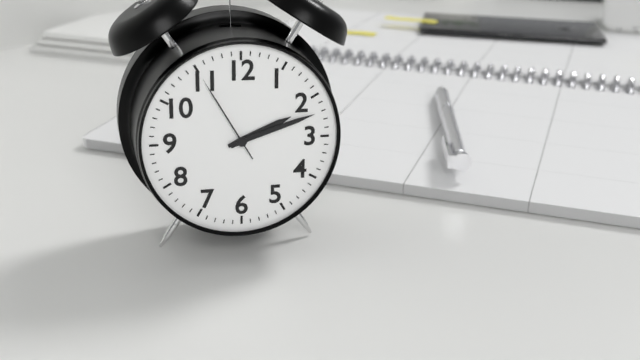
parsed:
**2:12:55**
